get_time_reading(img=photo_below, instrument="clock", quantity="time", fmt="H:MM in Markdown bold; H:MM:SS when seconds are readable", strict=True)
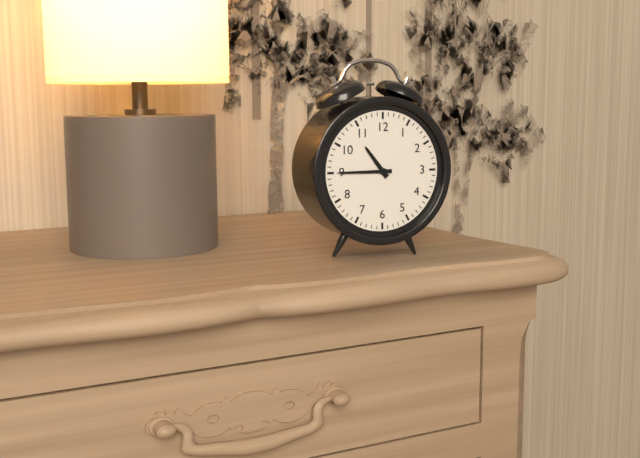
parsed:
**10:45**
